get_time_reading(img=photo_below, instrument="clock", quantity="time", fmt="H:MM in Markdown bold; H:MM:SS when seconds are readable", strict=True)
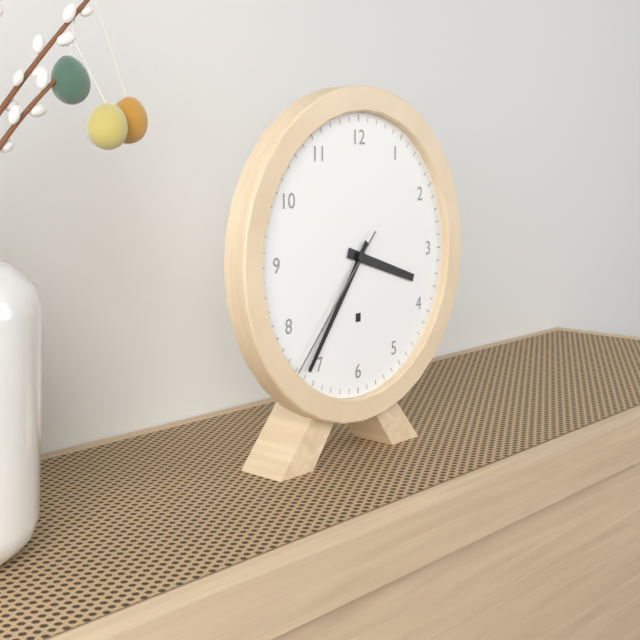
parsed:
**3:36:37**
